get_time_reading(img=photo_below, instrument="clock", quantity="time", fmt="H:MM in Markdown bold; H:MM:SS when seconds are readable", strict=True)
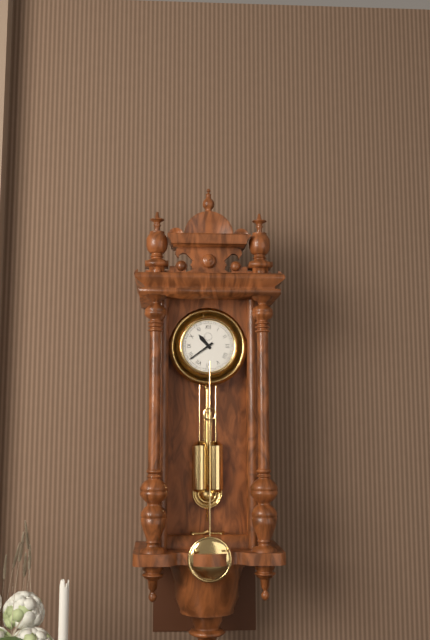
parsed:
**10:39**
